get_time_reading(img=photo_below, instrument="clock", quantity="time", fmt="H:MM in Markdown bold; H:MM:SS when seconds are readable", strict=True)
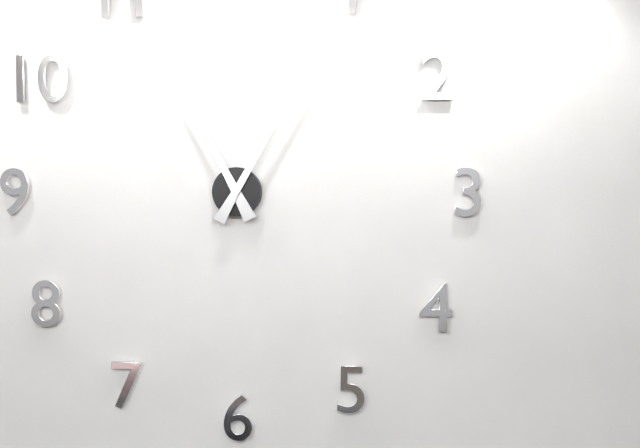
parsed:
**11:05**
